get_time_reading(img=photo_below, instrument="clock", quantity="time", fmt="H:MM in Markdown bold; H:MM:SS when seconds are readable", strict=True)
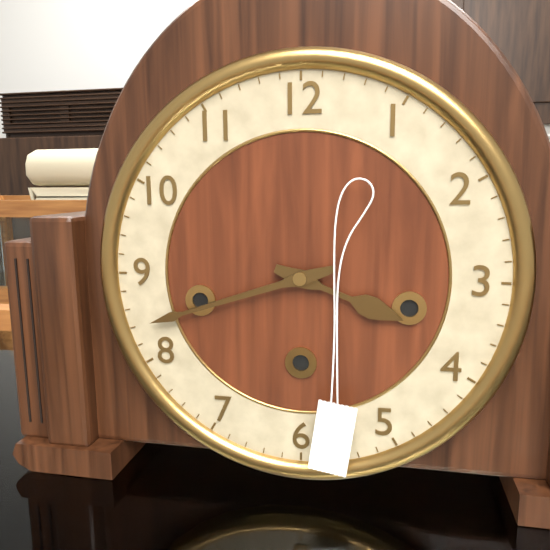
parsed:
**3:42**
